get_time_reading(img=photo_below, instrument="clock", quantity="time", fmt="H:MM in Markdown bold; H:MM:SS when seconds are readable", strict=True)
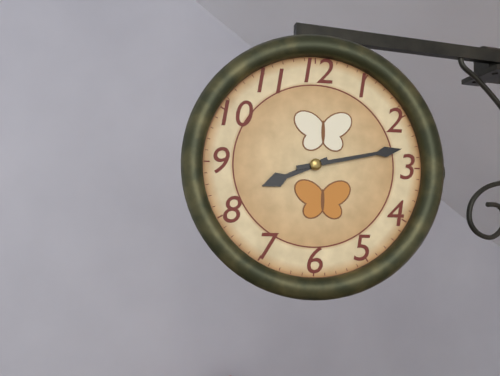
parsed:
**8:13**
